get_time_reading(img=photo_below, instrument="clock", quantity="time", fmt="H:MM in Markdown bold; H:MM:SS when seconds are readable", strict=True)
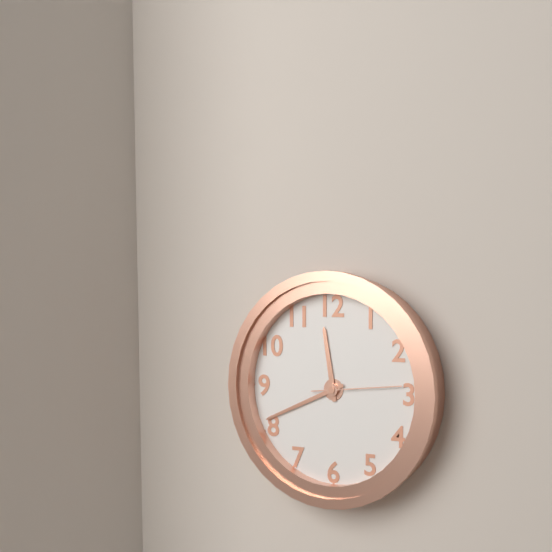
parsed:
**11:41:14**
